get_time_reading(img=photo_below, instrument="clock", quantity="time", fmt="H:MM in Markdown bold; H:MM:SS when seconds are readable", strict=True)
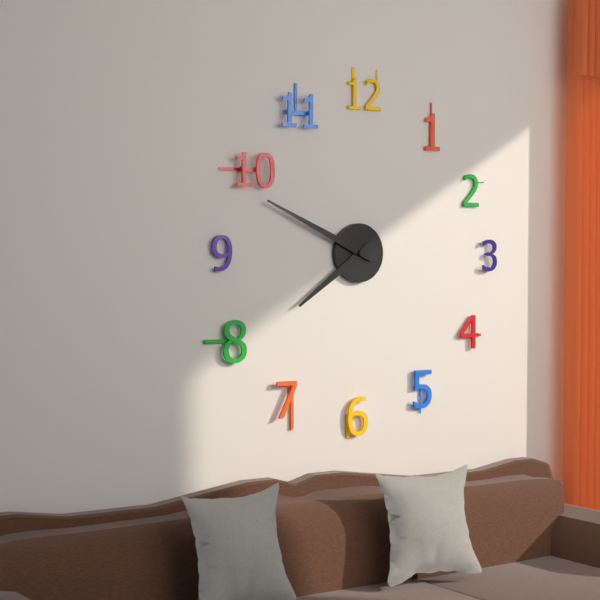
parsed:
**7:49**
